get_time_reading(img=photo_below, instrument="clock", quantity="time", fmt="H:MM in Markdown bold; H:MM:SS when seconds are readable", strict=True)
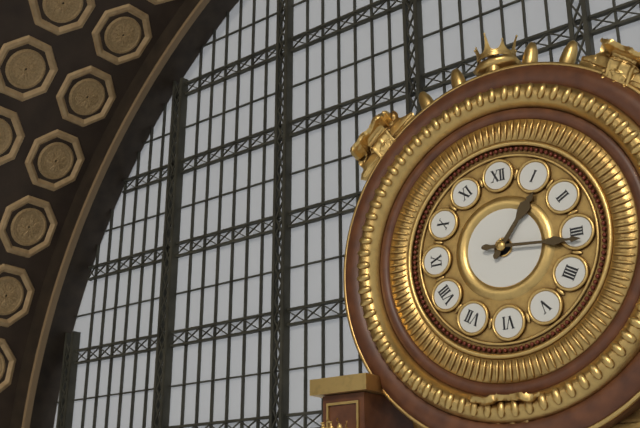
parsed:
**1:16**
